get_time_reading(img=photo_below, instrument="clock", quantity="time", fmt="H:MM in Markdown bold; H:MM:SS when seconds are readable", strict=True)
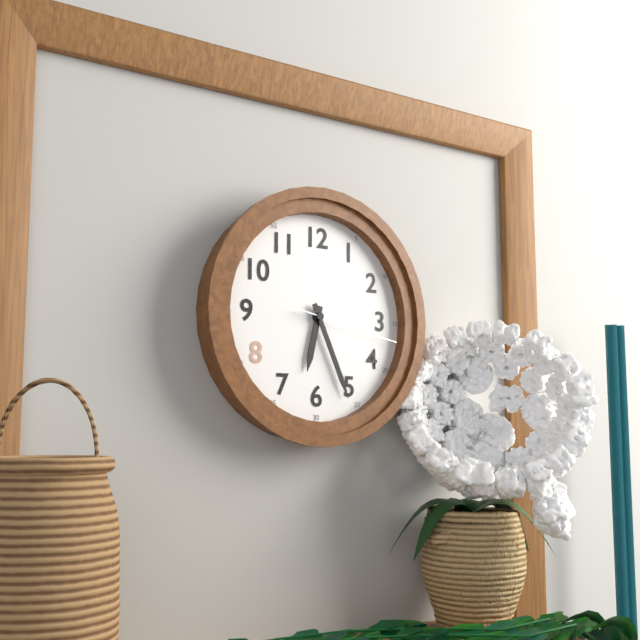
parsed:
**6:26:17**
